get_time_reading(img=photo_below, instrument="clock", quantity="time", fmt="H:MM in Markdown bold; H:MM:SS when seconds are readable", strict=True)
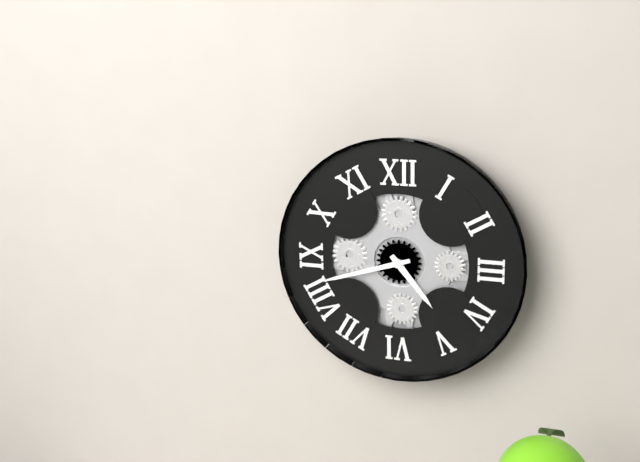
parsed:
**4:42**
